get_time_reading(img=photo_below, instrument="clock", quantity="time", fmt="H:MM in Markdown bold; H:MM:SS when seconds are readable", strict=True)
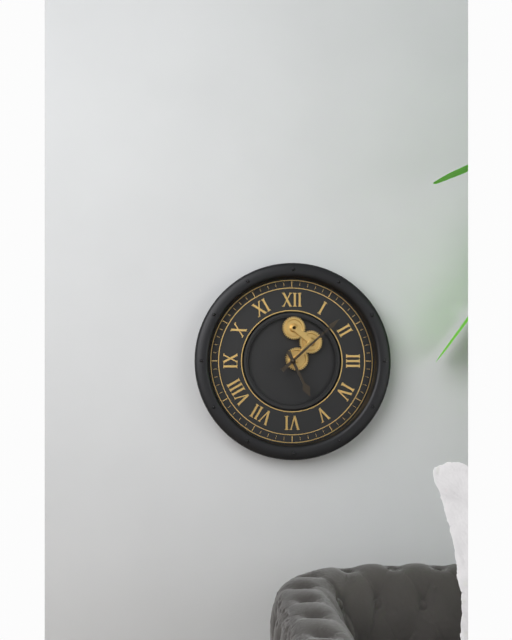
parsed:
**5:08**
